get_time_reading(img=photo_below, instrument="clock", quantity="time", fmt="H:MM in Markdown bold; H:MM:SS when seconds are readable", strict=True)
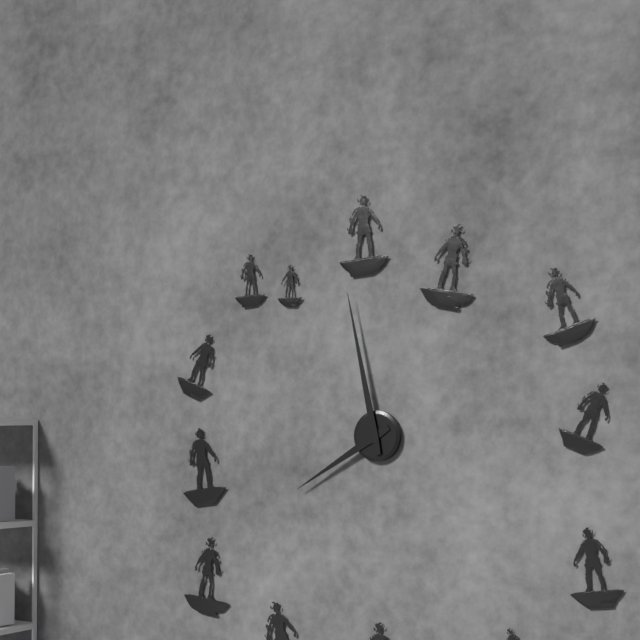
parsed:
**7:58**
